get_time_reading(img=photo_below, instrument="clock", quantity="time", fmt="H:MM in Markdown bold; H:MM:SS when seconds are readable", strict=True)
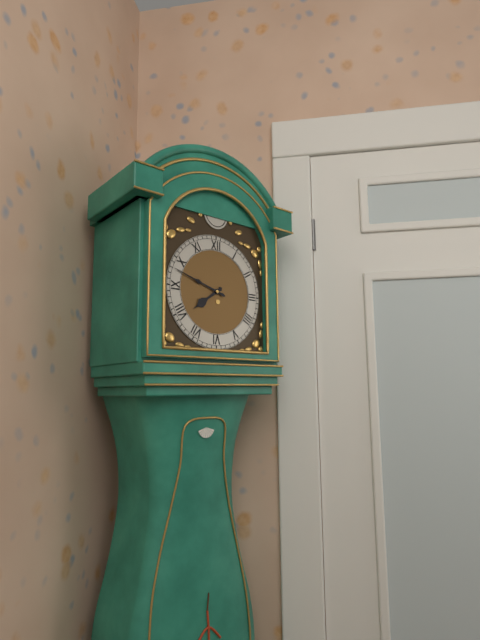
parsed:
**7:48**
